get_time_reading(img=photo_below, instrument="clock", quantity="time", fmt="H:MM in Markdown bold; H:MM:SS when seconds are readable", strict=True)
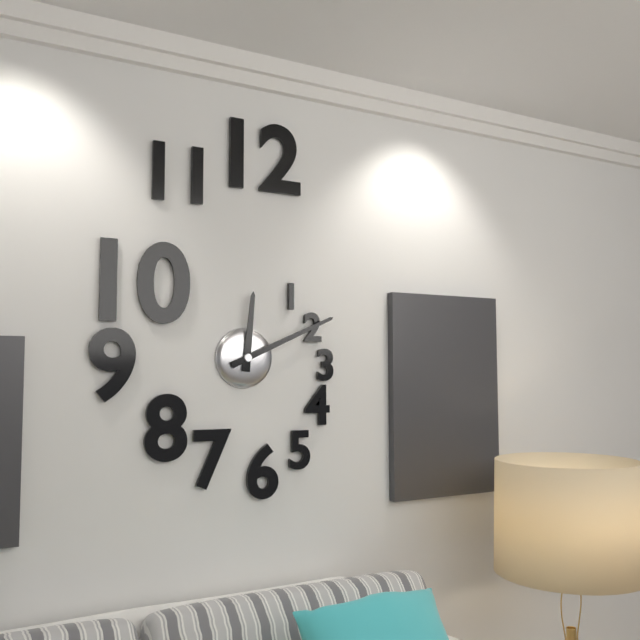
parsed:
**12:11**
